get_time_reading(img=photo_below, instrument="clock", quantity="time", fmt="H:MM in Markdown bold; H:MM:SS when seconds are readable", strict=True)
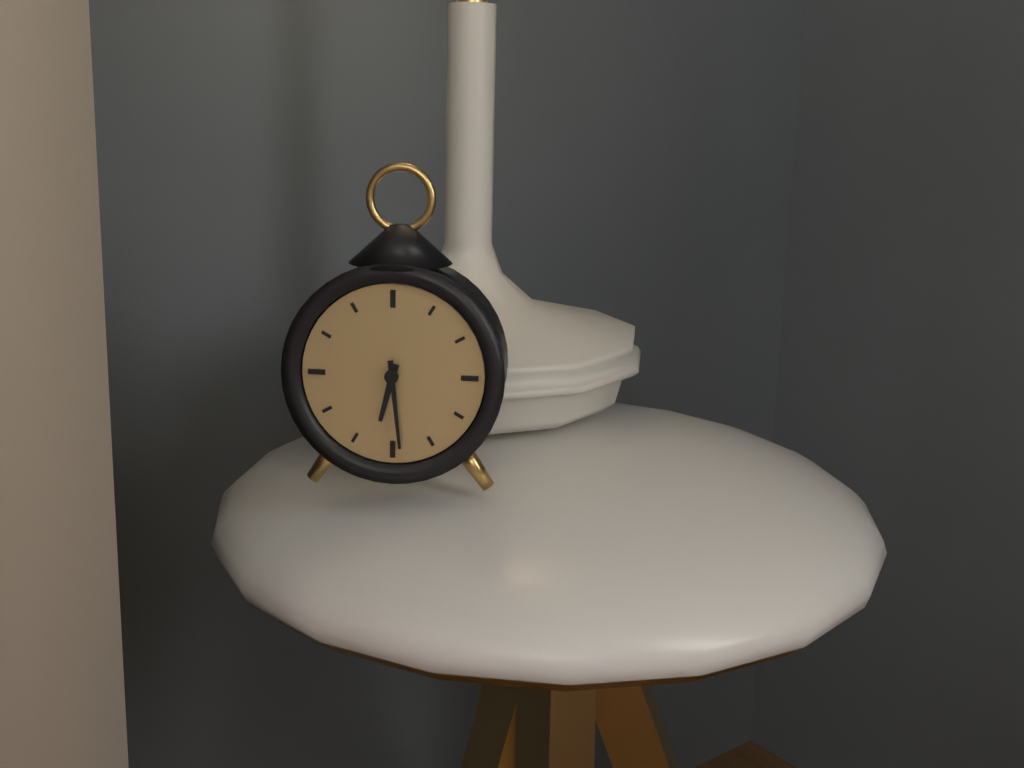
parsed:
**6:29**
